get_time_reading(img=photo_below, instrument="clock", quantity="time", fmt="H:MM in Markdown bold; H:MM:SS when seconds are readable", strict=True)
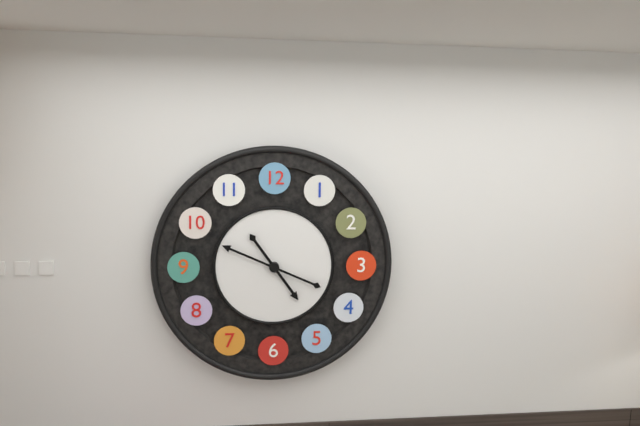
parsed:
**4:49**
